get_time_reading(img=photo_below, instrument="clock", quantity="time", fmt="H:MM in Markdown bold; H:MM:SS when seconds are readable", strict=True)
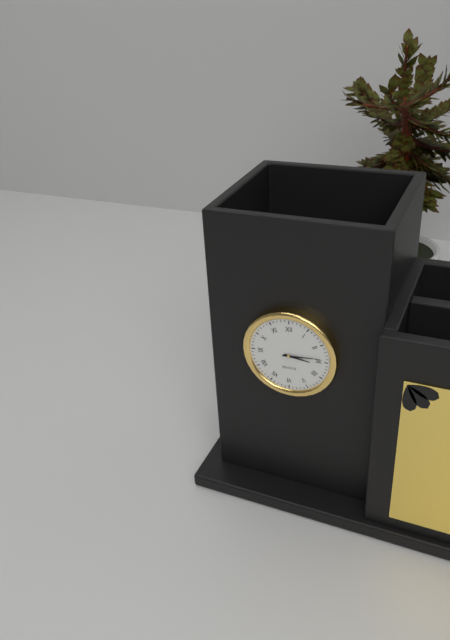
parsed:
**3:14**
